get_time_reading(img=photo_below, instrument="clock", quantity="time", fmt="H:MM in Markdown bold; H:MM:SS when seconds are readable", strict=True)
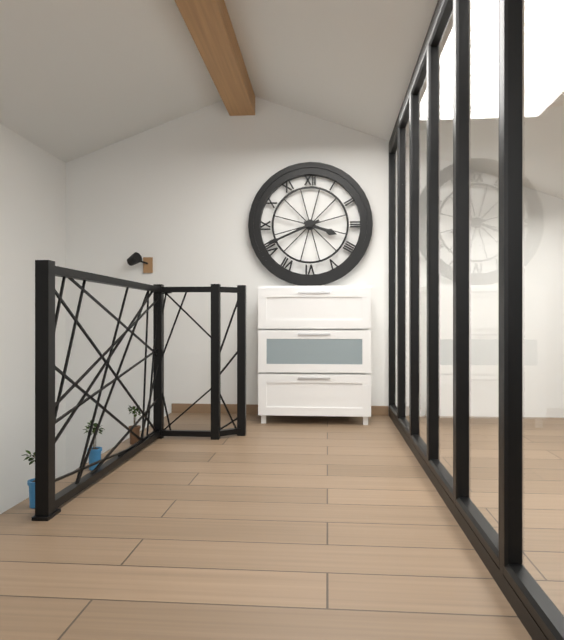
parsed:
**3:41**
